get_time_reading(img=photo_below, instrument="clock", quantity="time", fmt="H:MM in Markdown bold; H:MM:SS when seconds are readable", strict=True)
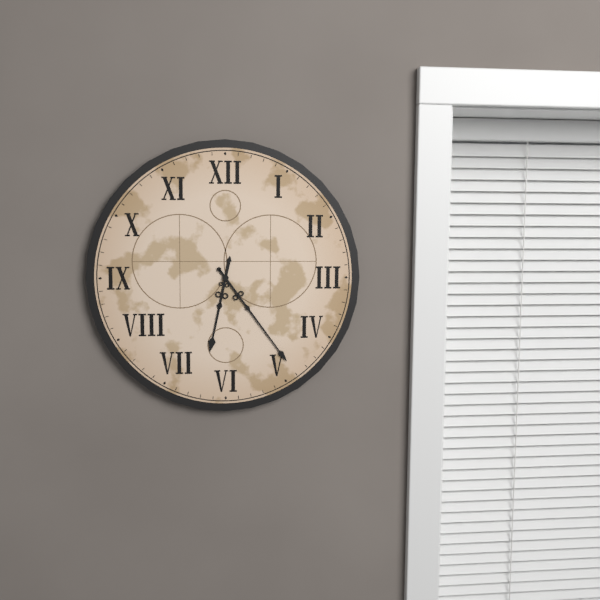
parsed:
**6:24**
